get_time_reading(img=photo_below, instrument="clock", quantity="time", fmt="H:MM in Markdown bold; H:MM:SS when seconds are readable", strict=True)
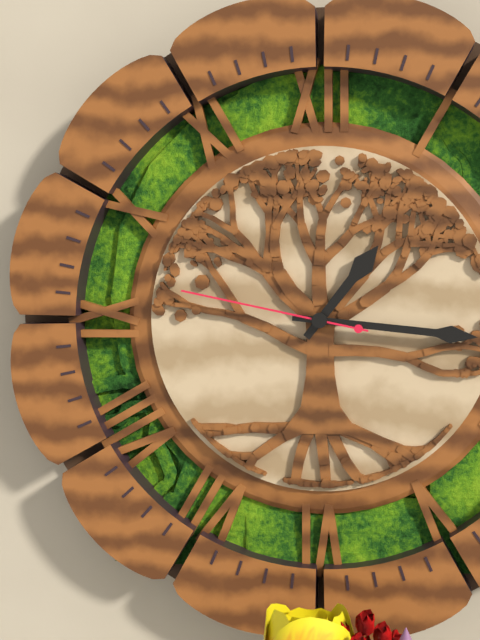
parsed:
**1:16:47**
